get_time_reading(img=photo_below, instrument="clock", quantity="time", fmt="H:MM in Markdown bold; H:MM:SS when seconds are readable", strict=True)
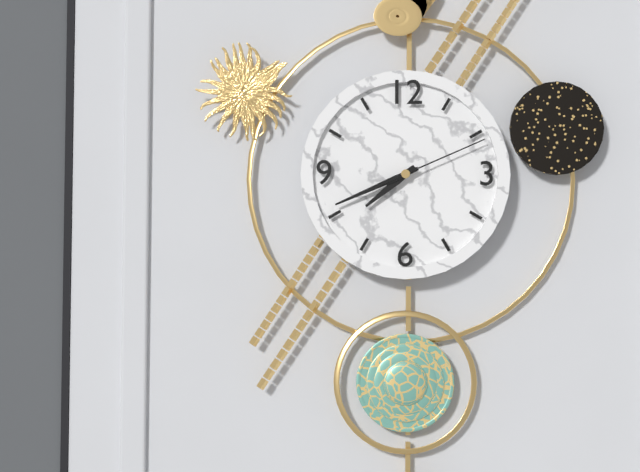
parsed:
**7:41:11**
